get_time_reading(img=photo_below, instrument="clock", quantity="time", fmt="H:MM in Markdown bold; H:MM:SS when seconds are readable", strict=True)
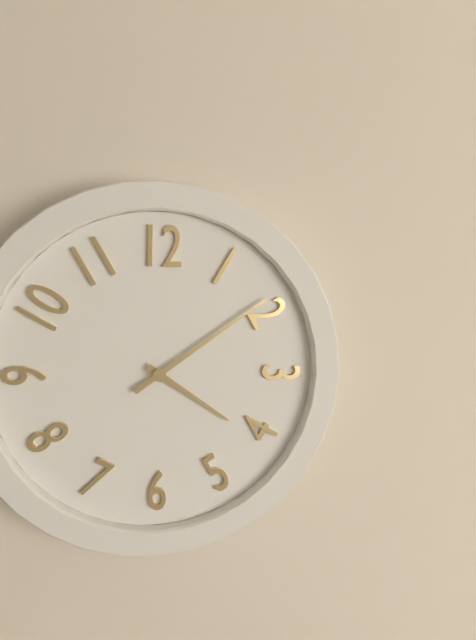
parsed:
**4:09**
